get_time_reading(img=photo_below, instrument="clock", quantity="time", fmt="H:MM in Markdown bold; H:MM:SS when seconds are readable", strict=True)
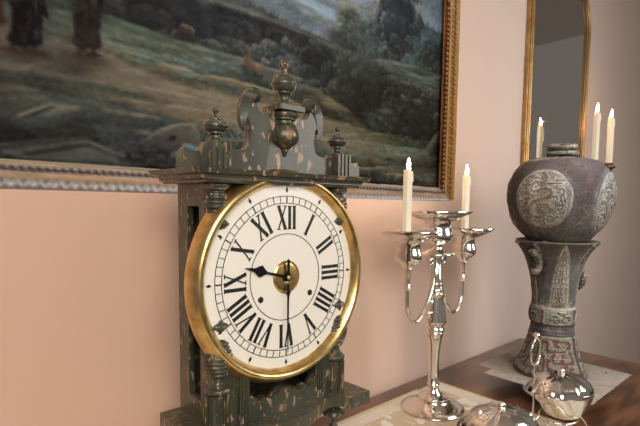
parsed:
**9:30**
